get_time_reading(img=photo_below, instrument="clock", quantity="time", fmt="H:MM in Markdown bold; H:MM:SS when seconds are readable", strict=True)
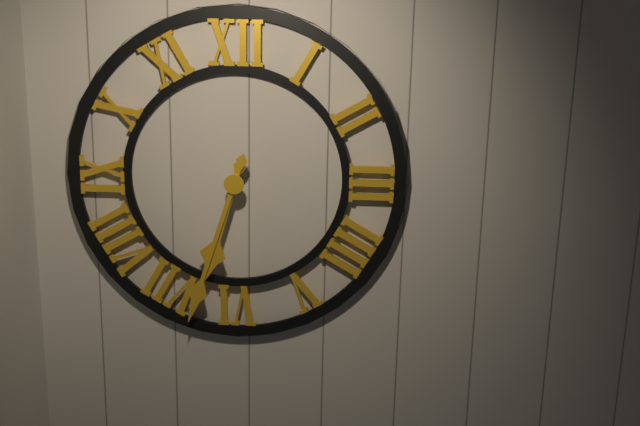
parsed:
**6:33**
